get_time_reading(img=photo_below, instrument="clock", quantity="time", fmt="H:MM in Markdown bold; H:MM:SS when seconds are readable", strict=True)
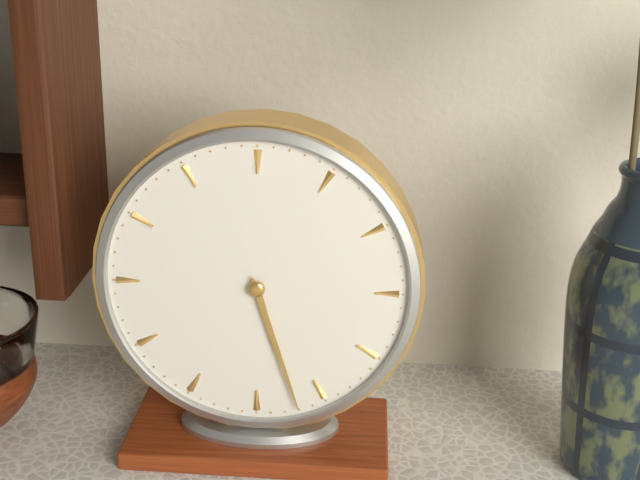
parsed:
**5:27**
